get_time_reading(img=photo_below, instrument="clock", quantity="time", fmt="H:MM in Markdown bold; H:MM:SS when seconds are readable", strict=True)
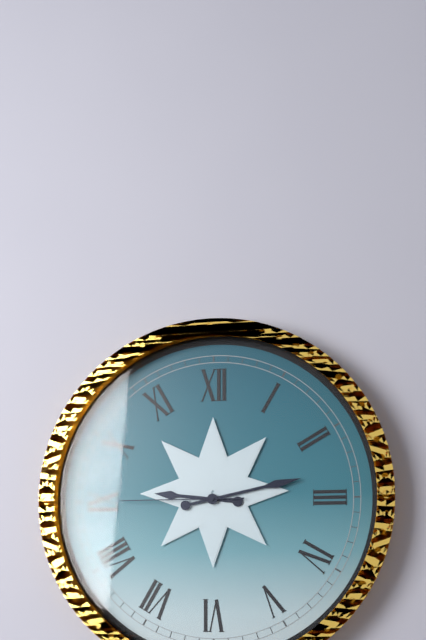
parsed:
**9:13:45**
